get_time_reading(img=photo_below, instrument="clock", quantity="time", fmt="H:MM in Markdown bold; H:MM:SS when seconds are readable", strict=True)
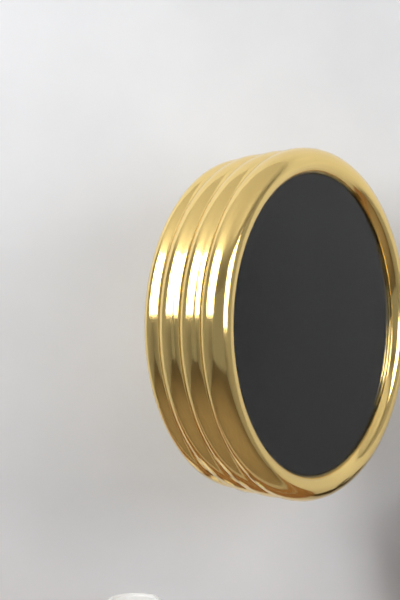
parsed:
**5:32:06**
